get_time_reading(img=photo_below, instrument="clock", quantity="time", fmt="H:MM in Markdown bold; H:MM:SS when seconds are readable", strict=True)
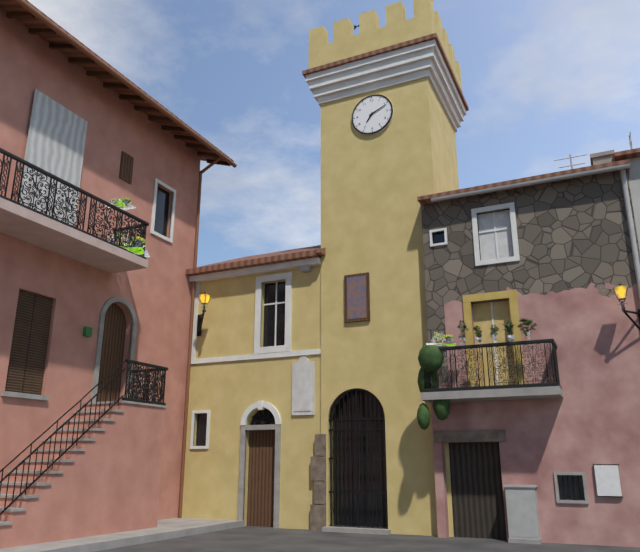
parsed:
**7:11**
